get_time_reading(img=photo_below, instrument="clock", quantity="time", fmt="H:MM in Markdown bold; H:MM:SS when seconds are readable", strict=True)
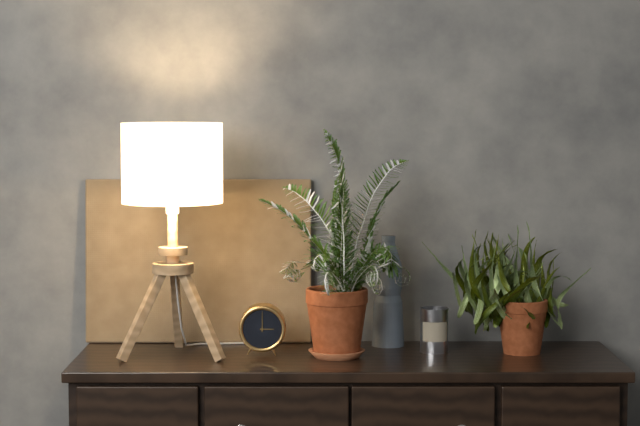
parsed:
**3:00**
